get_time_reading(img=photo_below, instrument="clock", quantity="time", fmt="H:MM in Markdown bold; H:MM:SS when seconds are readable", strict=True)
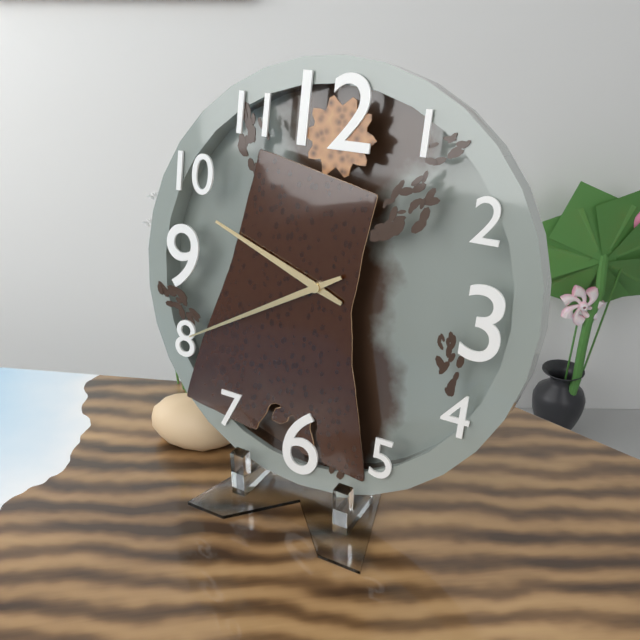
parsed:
**9:40**
